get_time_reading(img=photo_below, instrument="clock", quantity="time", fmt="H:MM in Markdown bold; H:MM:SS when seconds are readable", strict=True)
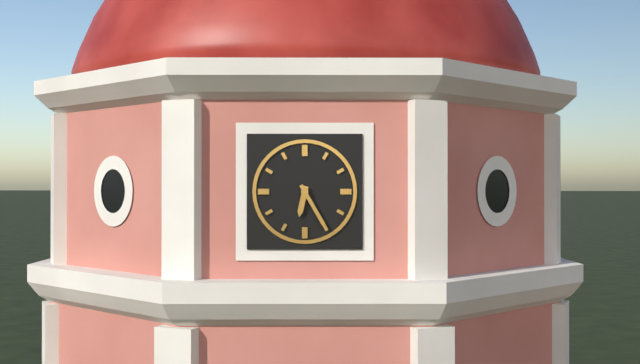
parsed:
**6:25**
